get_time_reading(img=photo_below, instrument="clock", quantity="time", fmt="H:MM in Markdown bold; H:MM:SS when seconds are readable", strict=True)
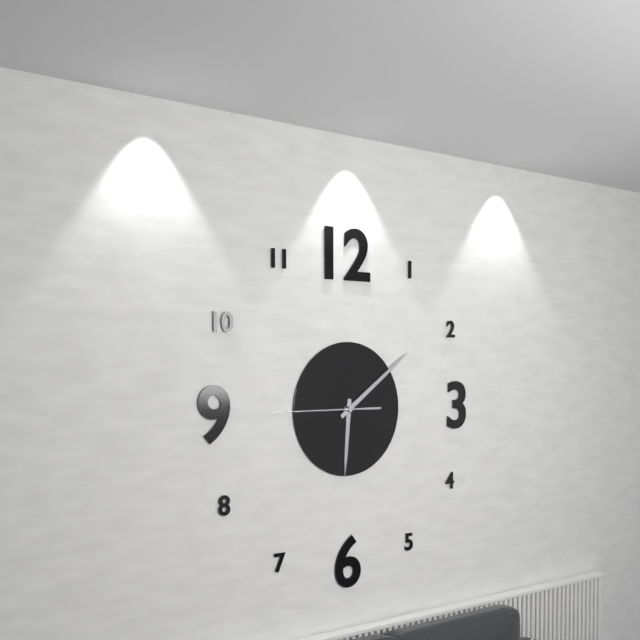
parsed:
**6:09:45**
